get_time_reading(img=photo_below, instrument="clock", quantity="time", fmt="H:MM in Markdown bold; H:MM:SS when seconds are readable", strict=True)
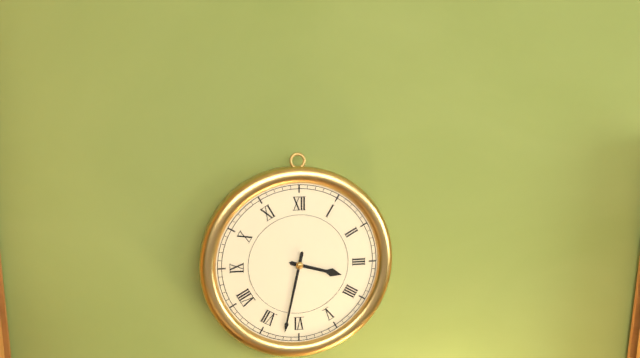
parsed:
**3:32**
